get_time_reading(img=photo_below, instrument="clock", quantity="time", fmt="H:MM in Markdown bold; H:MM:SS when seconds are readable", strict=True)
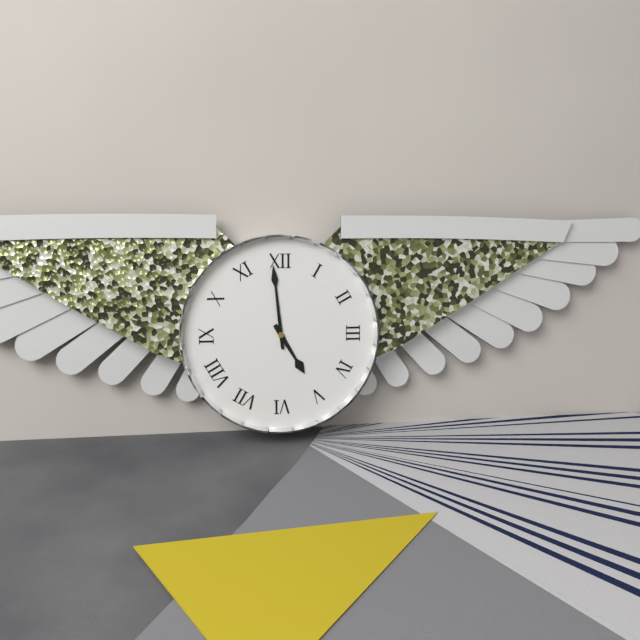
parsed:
**4:59**
